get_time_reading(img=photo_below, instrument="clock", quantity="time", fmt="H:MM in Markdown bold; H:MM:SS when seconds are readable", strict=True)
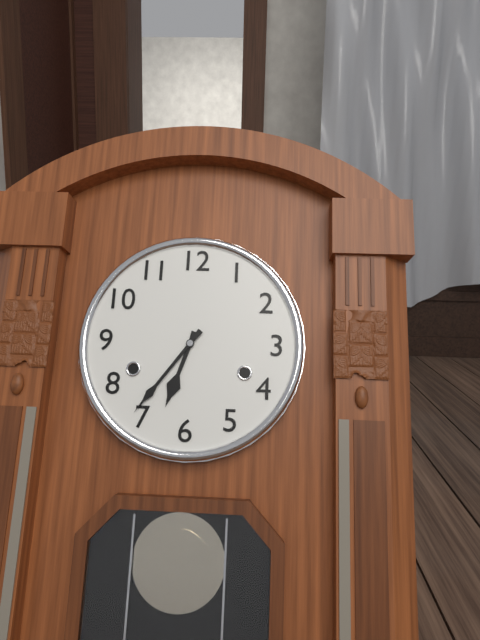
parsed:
**6:36**
